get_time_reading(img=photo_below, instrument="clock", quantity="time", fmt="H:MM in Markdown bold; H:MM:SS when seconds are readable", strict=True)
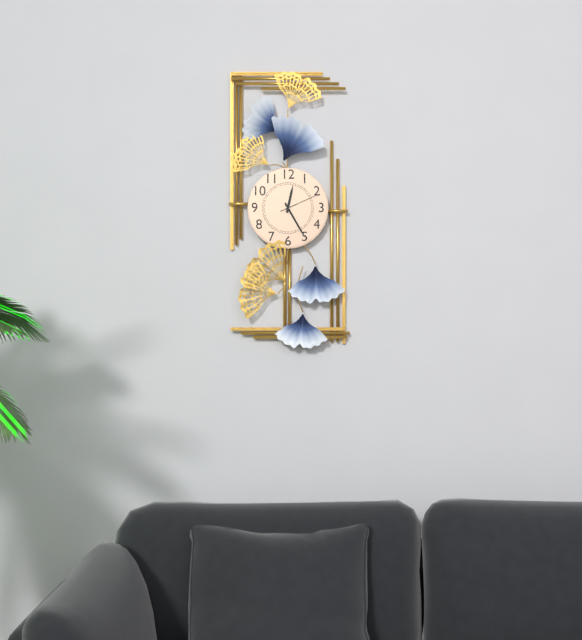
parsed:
**12:25**
